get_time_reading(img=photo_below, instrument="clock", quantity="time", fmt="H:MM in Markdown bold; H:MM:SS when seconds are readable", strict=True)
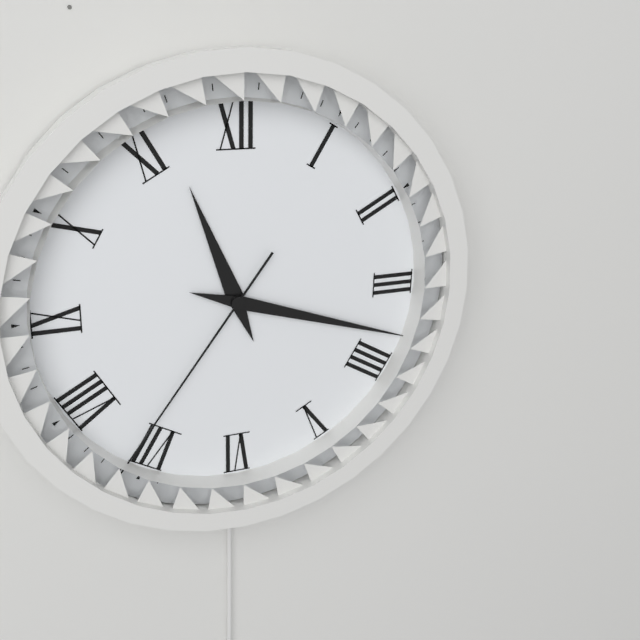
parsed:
**11:18:36**
